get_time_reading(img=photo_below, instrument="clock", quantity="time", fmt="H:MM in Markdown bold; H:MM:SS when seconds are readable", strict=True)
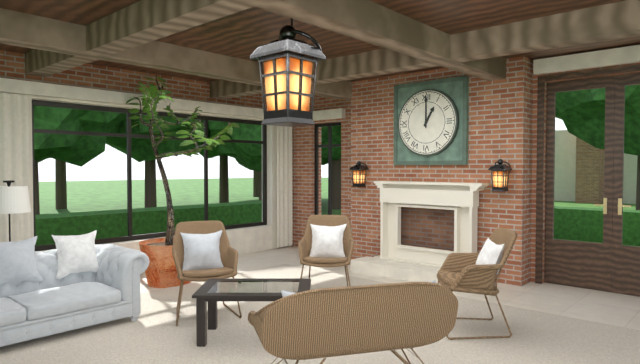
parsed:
**1:00**
